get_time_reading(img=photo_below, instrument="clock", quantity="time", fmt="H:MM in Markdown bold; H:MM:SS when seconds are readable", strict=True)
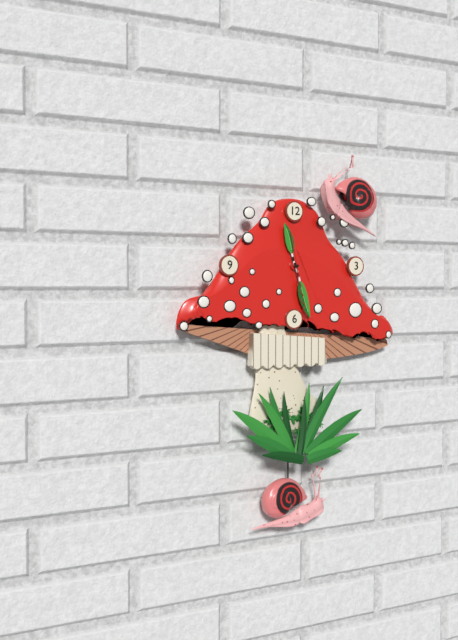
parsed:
**11:27:28**
